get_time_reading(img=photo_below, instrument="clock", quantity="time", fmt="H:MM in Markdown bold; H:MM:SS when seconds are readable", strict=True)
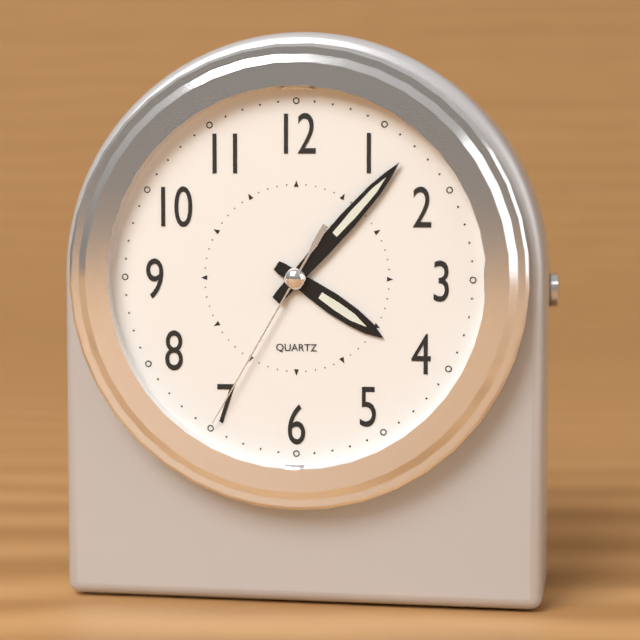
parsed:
**4:07:35**
